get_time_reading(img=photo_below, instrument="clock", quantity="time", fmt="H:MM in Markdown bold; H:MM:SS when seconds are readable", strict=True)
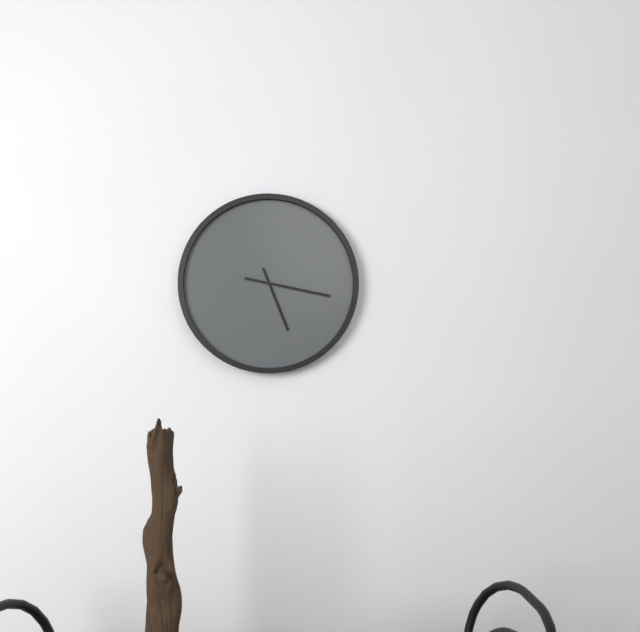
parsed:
**5:17**
